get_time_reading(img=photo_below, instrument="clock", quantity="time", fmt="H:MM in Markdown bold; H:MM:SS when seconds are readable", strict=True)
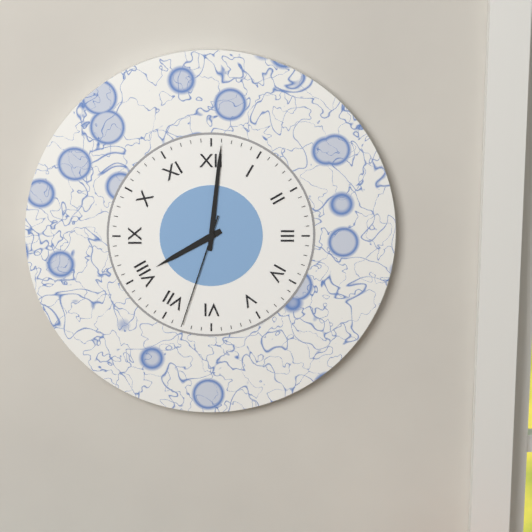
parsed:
**8:01:33**
